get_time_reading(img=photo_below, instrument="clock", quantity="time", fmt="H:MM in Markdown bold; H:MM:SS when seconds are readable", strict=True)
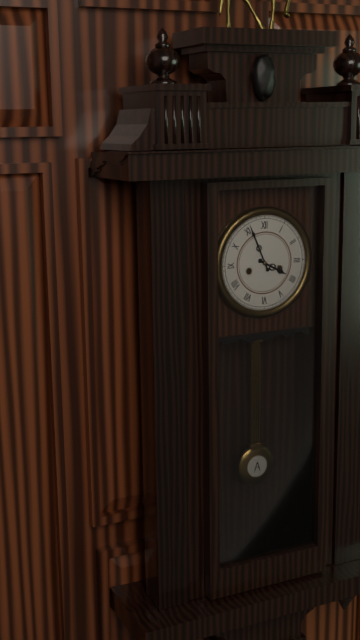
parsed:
**3:56**
